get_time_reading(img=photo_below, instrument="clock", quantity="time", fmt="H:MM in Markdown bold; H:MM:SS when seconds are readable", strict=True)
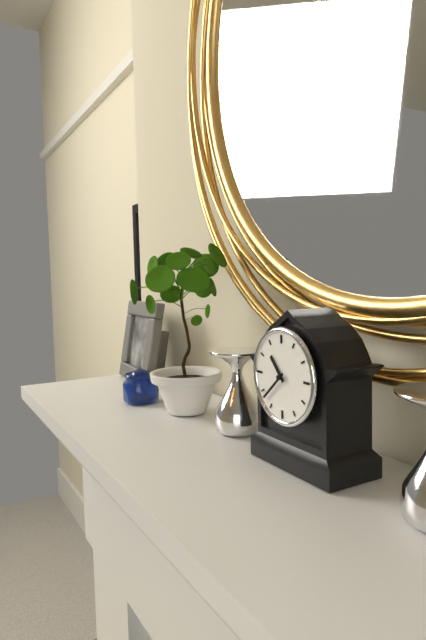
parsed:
**10:38**
